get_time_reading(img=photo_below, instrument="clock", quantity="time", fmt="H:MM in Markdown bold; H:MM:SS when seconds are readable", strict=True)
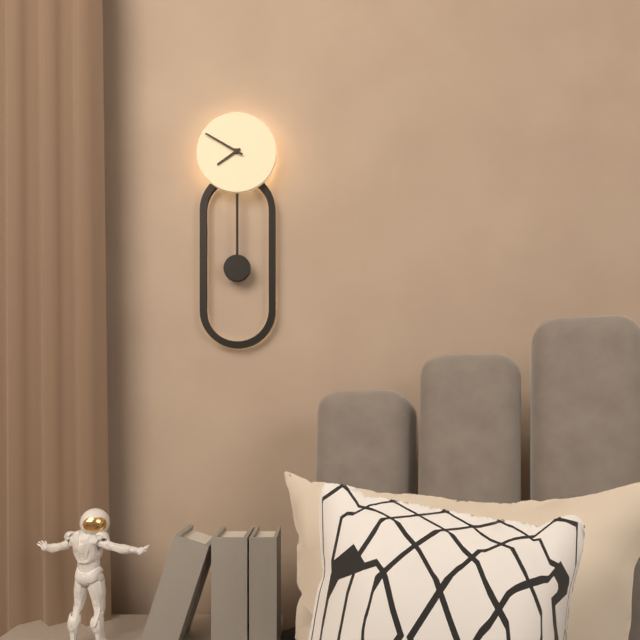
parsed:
**7:50**
